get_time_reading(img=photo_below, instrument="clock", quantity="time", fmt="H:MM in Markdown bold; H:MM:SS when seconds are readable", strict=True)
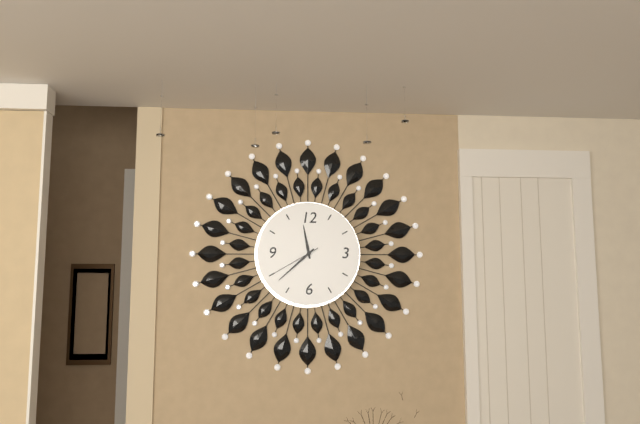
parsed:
**11:38:40**
